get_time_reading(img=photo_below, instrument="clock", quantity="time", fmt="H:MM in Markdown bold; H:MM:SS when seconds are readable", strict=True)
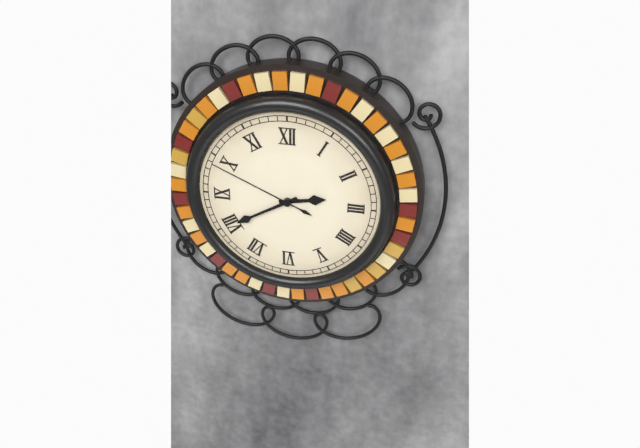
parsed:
**2:40:49**
